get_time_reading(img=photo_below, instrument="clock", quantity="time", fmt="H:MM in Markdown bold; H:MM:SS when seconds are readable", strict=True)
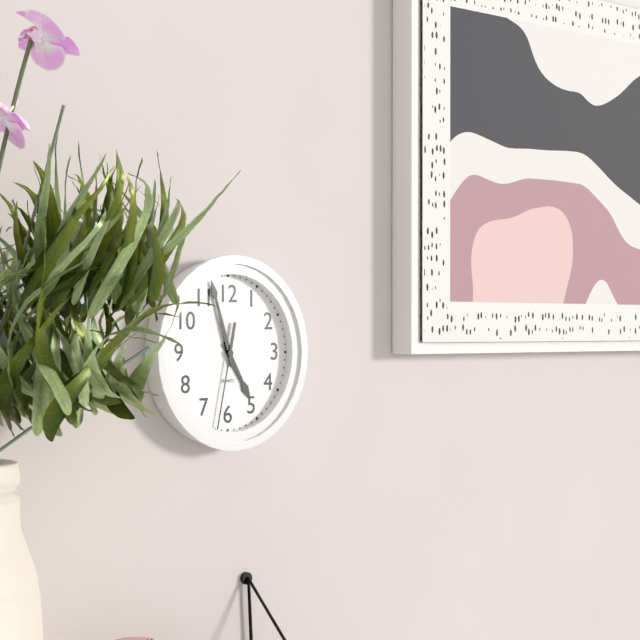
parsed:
**4:57:32**
